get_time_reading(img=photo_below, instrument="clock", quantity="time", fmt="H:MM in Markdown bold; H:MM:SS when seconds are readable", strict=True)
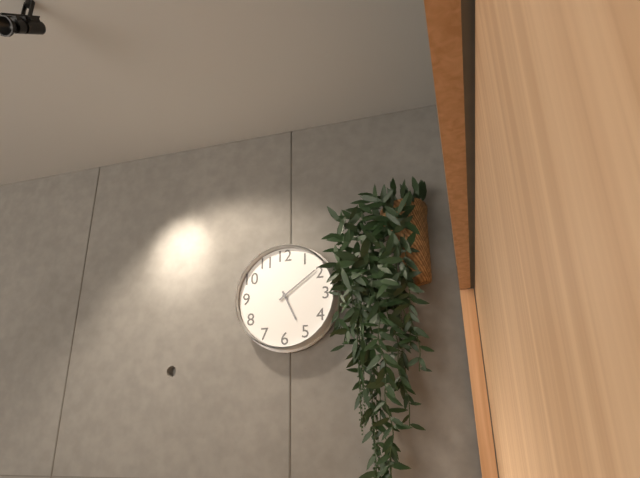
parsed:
**5:09**
